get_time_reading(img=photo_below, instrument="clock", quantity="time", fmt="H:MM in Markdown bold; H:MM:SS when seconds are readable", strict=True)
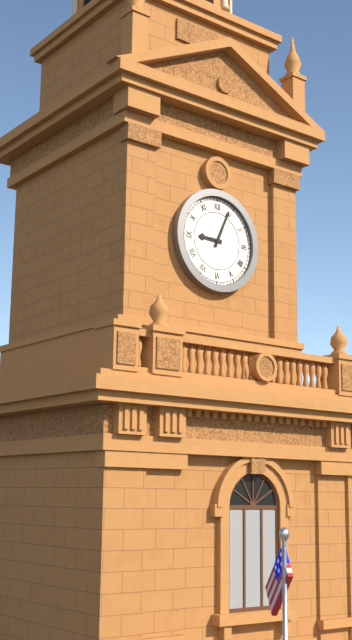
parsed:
**9:04**
